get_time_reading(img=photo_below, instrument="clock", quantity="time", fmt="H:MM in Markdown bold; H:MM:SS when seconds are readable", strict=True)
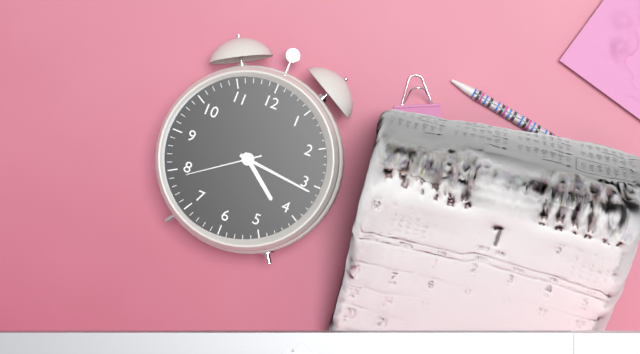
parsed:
**4:16:39**
